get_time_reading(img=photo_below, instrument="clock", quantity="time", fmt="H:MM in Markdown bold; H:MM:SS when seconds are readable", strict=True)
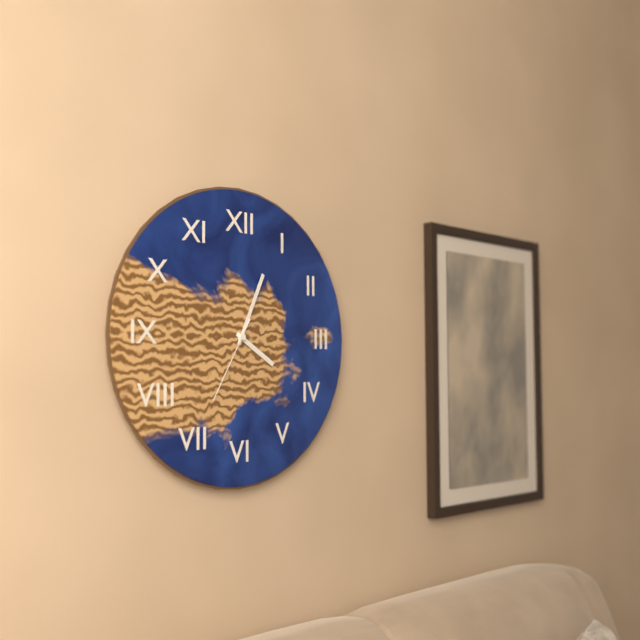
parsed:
**4:04:35**
